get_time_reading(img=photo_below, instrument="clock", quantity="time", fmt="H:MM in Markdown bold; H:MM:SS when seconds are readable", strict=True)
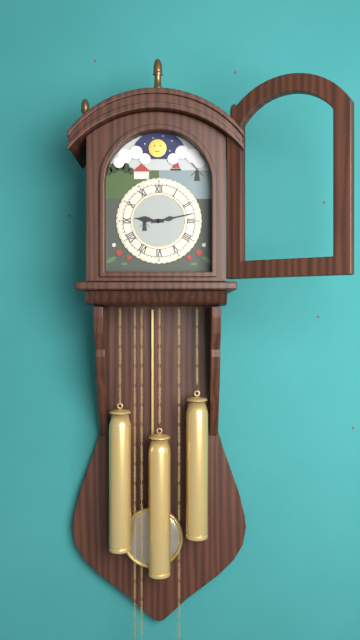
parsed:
**9:13**
